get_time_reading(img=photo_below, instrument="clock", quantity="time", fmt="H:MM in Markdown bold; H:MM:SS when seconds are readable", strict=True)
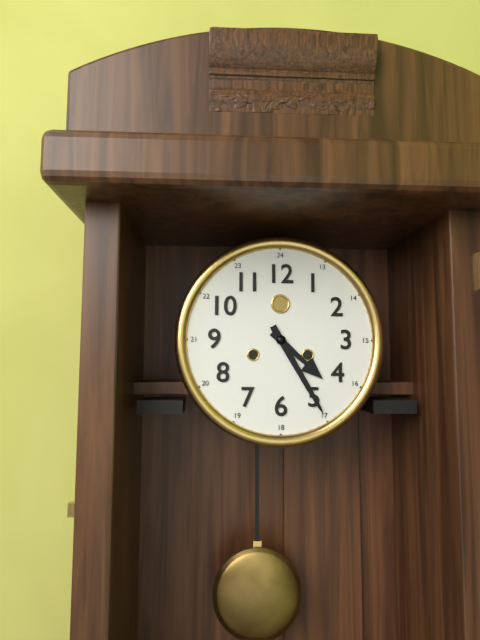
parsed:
**4:25**
